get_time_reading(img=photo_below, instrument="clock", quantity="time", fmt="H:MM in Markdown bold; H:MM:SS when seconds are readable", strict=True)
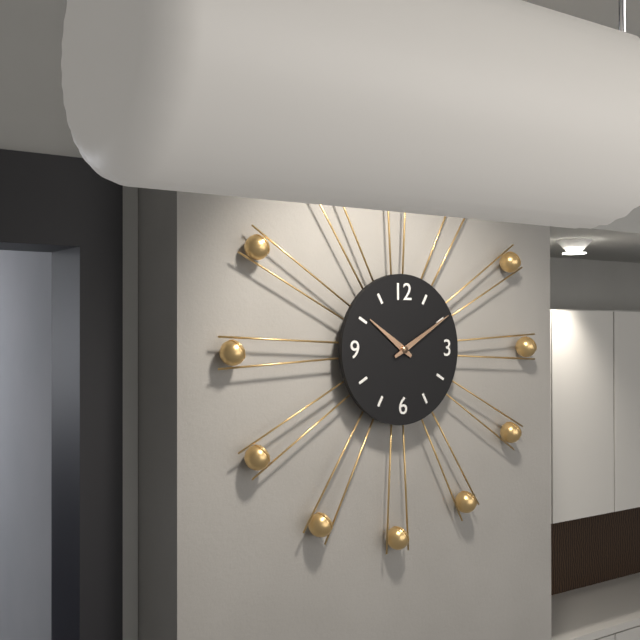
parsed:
**10:10**
